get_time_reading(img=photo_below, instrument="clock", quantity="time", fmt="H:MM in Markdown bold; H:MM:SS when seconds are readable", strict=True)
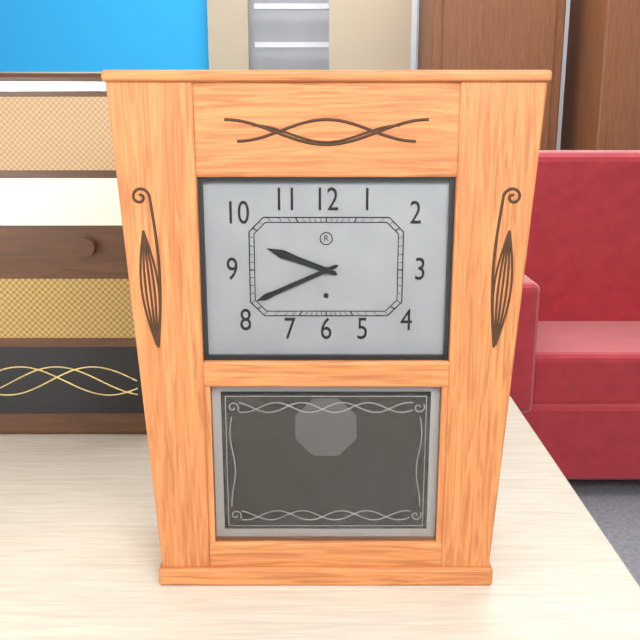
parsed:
**9:41**
